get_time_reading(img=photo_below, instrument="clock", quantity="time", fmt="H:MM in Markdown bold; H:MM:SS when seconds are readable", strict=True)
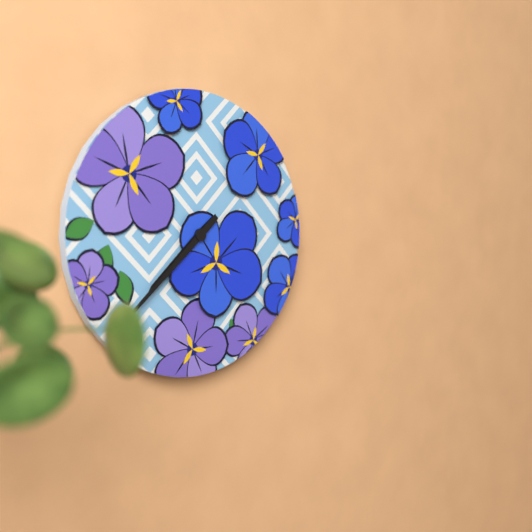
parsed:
**7:38**
